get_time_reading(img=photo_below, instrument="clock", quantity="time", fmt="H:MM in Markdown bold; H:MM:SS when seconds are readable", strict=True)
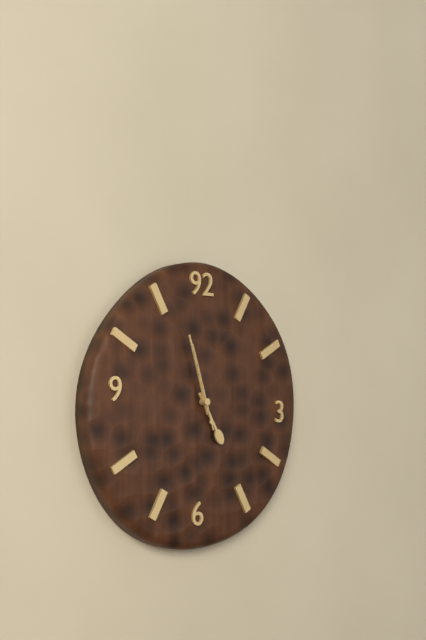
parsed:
**4:57:57**
